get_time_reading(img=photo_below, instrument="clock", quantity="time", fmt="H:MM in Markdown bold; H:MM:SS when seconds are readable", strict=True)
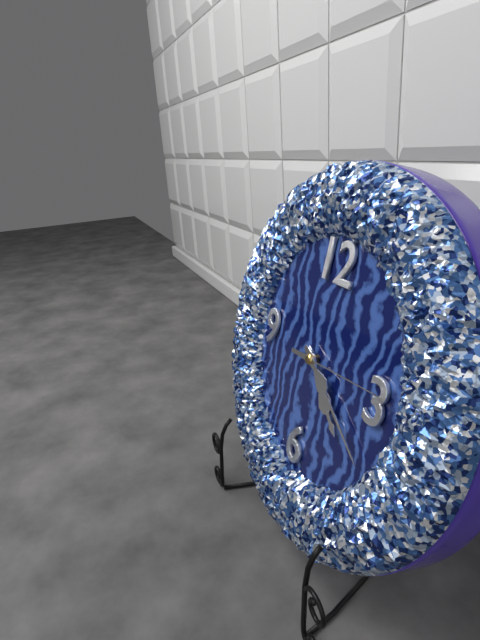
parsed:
**4:20:14**
